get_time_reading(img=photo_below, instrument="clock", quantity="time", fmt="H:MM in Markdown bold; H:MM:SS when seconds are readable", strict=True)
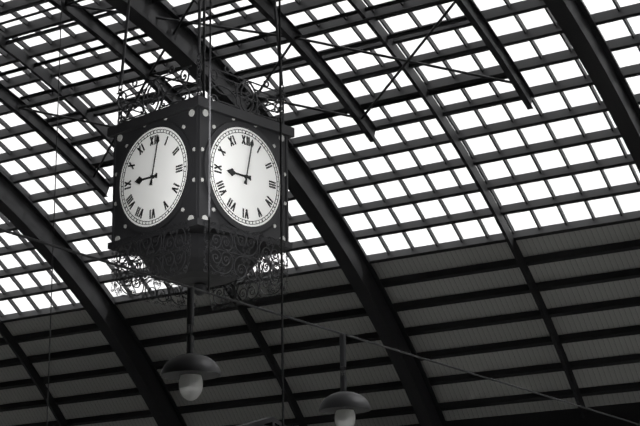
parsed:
**9:02**
